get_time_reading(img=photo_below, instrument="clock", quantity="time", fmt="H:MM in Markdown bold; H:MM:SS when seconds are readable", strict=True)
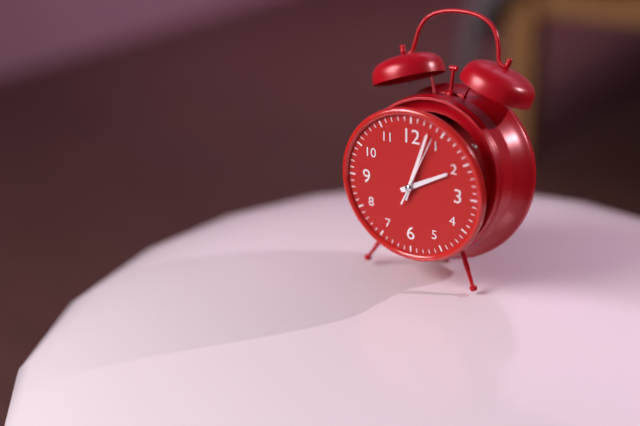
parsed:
**2:03:04**
